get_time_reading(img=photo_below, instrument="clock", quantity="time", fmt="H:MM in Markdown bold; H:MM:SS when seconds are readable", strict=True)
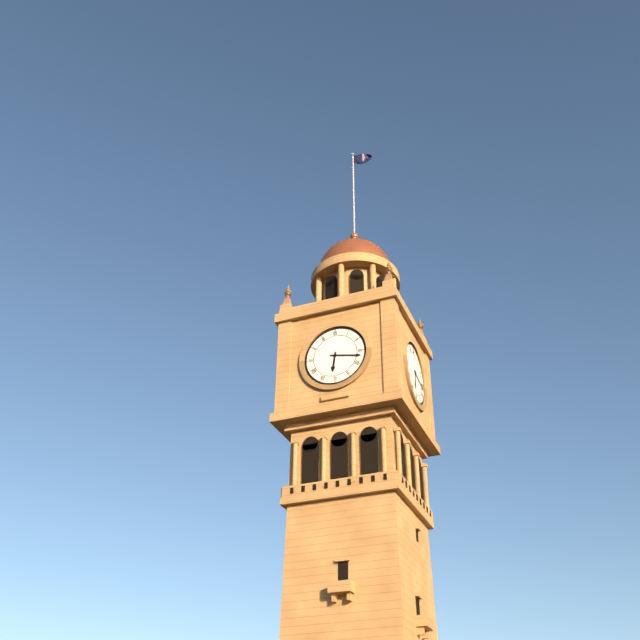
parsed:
**6:17**
